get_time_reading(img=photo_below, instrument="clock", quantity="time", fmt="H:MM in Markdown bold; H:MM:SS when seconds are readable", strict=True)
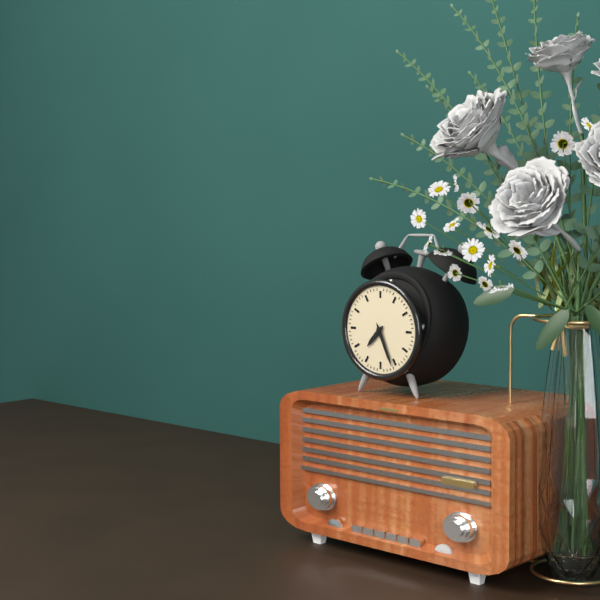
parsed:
**7:26**
